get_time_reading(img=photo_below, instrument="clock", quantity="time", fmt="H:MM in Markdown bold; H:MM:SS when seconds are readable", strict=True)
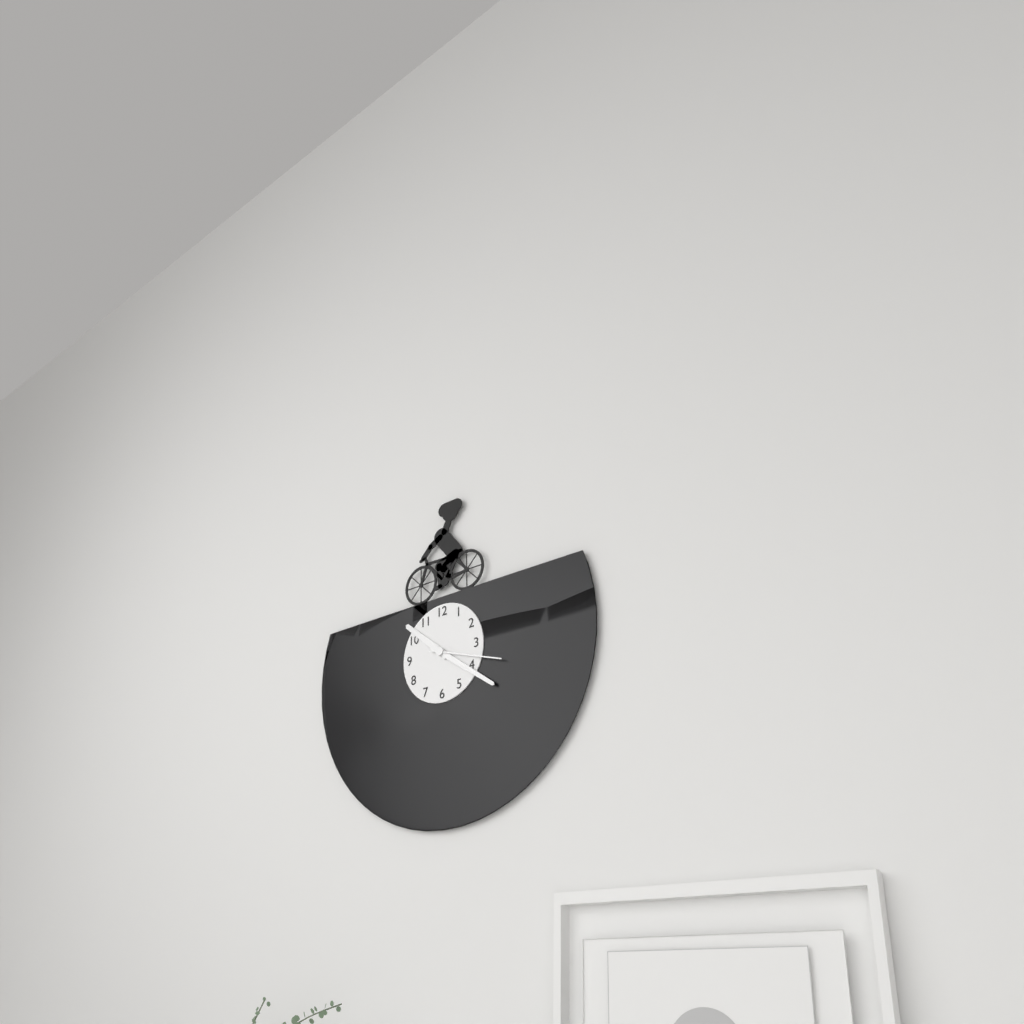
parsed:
**10:21:18**
